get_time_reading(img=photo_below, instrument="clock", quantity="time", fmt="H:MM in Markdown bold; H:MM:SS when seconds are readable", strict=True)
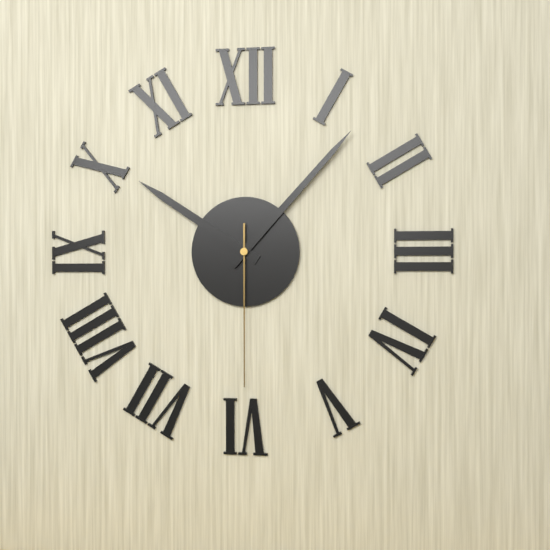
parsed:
**10:07:30**
